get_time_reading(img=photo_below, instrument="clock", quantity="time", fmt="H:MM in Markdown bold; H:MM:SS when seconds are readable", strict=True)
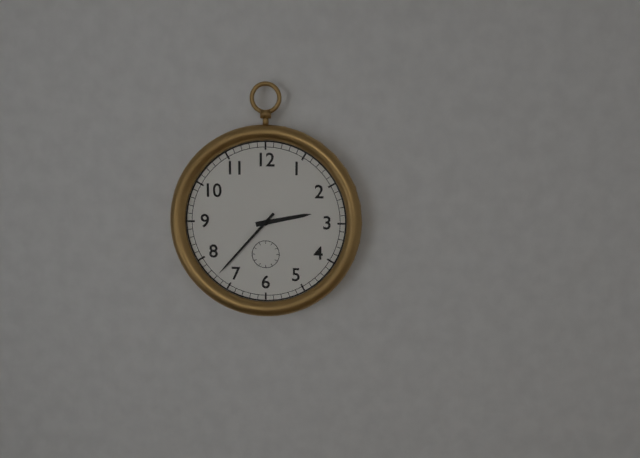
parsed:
**2:37**
